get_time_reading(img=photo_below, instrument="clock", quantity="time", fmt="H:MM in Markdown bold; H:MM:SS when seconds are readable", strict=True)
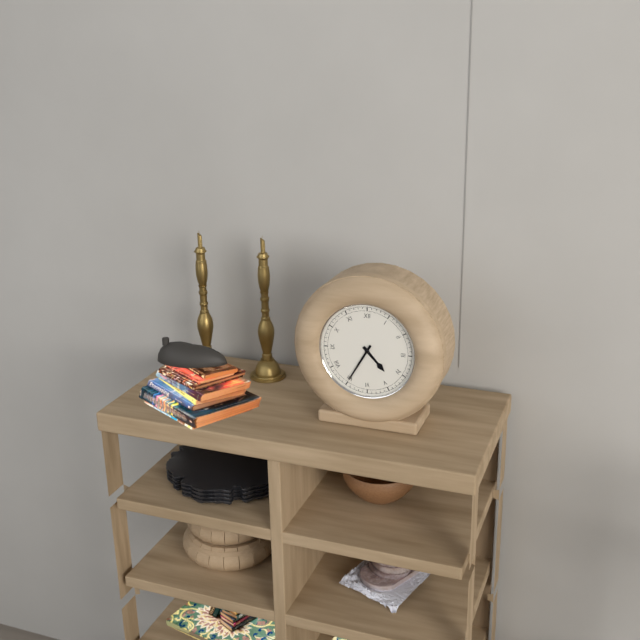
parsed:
**4:35**
